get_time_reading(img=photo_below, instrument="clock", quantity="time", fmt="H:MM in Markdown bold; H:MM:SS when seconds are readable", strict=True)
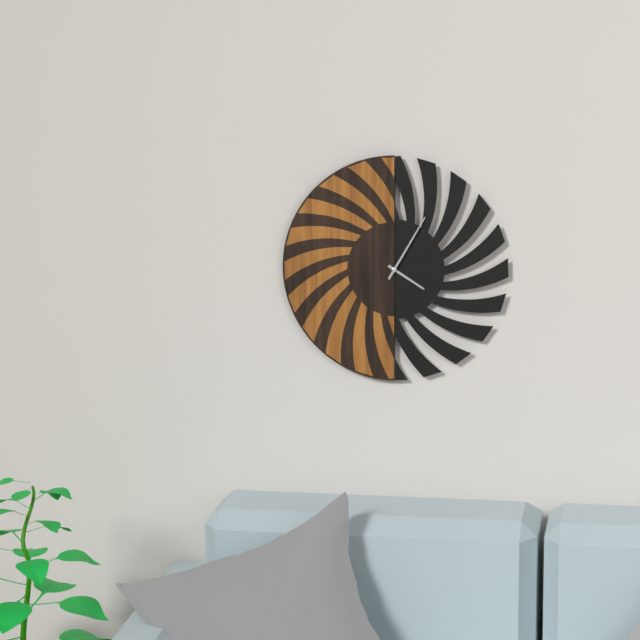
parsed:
**4:05**
